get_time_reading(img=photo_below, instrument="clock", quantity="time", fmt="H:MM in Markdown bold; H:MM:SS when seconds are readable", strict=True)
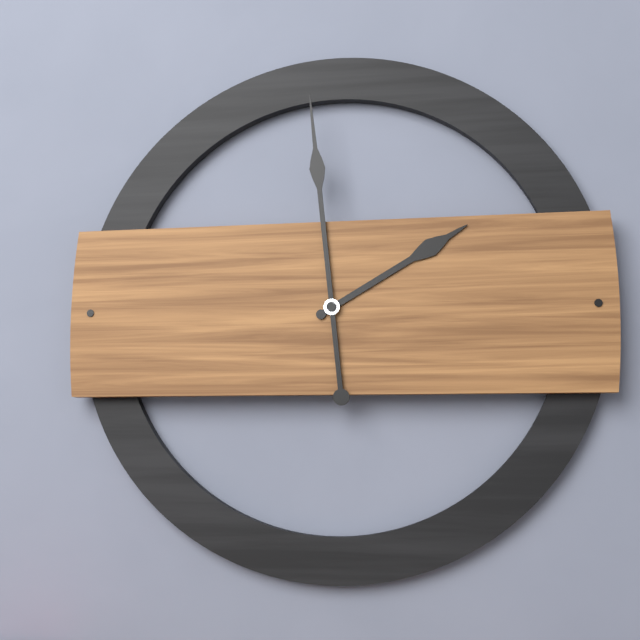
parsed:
**1:59**
